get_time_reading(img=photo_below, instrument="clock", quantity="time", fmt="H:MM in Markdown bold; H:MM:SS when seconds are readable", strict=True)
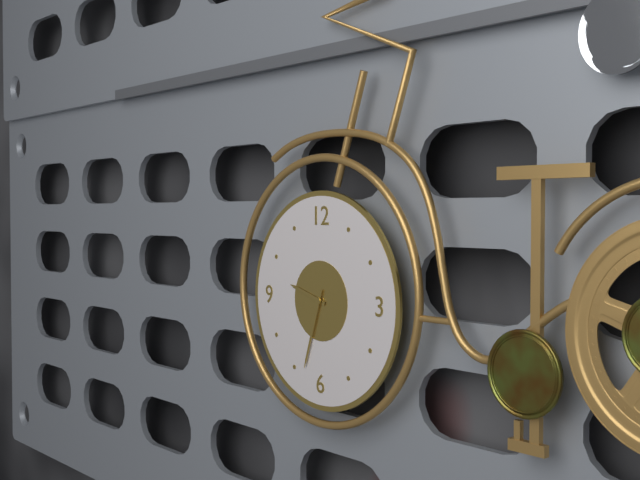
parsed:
**9:33**
